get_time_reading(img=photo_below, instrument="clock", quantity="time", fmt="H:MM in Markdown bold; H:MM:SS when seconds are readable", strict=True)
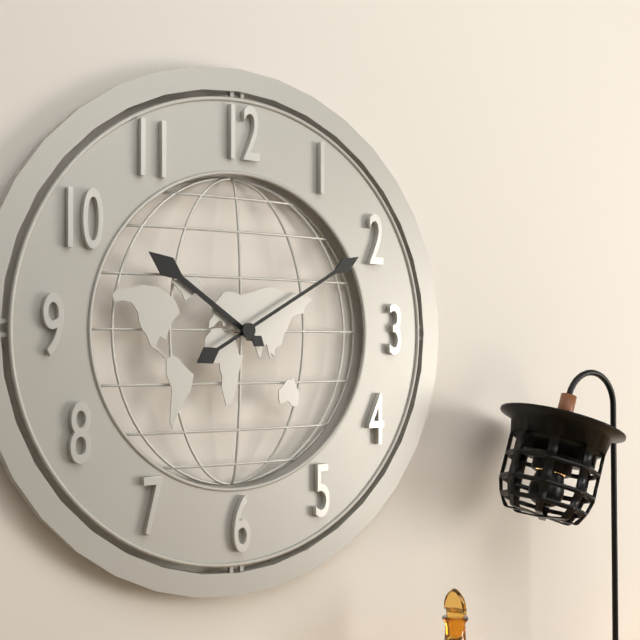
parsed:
**10:10**
